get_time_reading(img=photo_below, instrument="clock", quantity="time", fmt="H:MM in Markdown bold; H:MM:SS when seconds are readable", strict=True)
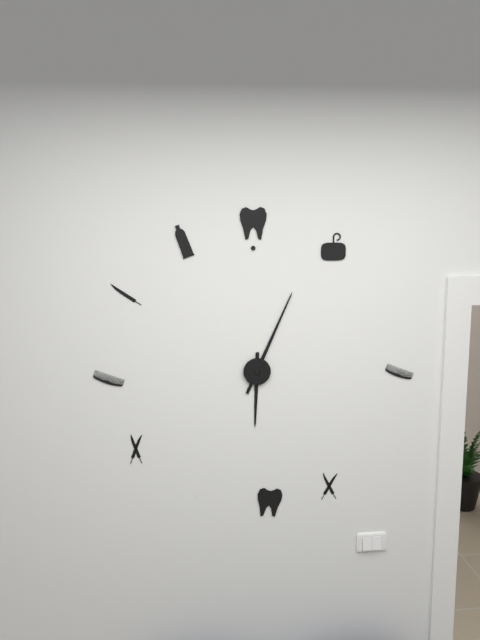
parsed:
**6:04**
